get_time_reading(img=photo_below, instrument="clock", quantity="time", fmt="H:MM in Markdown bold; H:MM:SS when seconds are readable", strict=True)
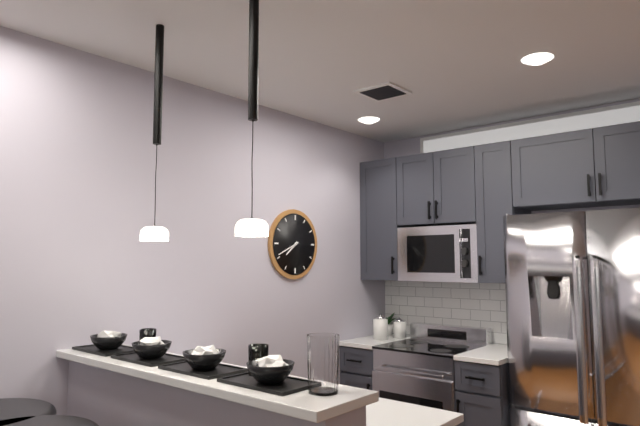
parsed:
**7:41**
